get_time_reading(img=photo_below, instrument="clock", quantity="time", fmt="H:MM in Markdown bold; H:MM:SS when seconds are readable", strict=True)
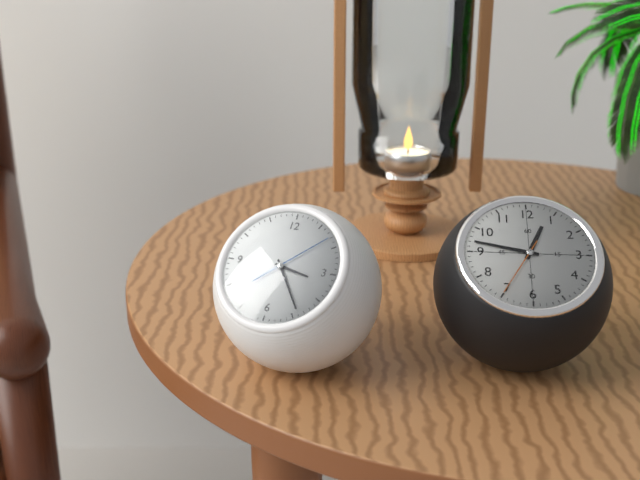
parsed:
**3:24:08**
